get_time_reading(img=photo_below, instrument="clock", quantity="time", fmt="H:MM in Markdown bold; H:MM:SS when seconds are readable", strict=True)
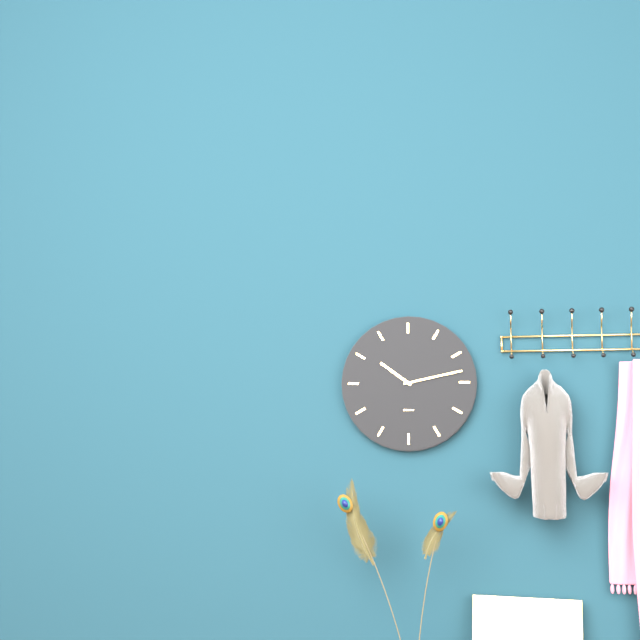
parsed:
**10:13**
